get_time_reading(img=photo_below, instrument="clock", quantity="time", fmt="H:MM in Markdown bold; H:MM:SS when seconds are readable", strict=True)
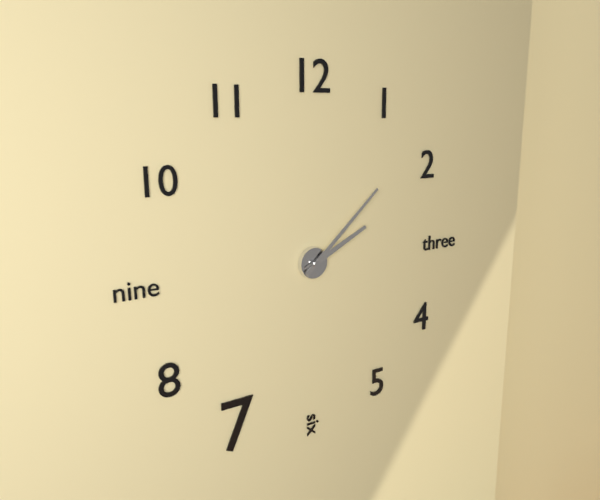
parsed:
**2:08**
